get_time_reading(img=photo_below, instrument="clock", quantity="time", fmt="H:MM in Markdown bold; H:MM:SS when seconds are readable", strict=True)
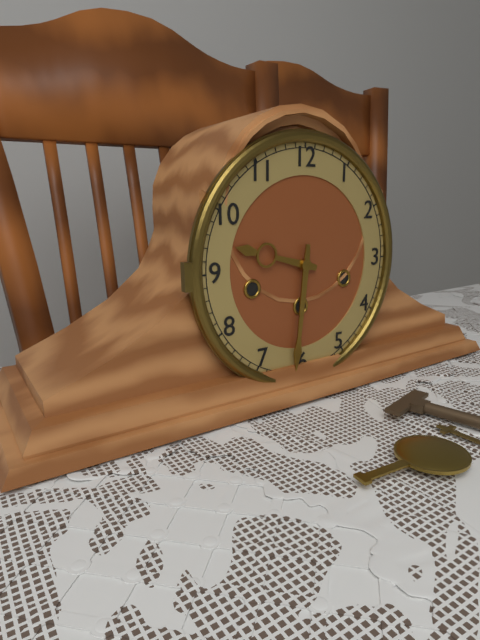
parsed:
**9:31**
